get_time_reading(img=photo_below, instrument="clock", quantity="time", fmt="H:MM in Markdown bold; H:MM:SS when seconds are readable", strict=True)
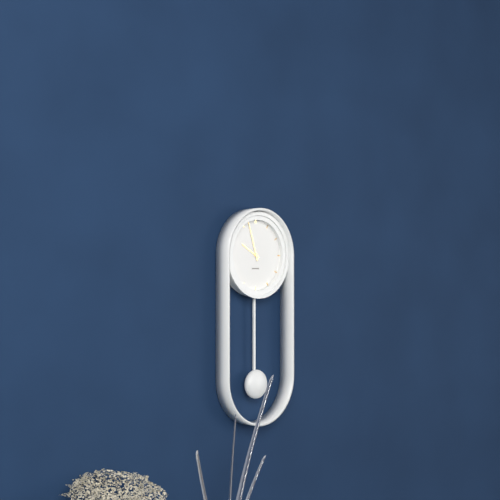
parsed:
**9:57**
